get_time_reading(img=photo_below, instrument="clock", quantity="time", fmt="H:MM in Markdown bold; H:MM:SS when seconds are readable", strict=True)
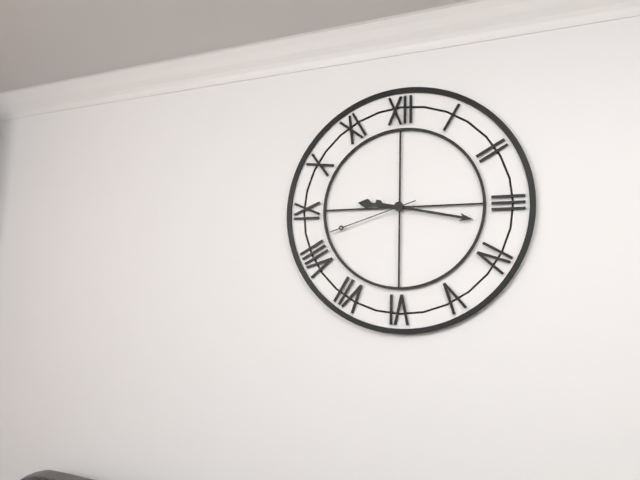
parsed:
**9:17:42**
